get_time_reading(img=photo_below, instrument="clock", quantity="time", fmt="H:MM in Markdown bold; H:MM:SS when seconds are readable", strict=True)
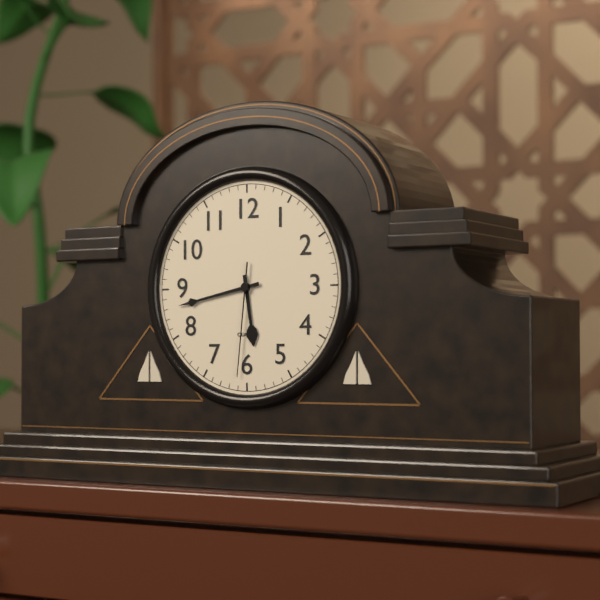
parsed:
**5:43:31**
